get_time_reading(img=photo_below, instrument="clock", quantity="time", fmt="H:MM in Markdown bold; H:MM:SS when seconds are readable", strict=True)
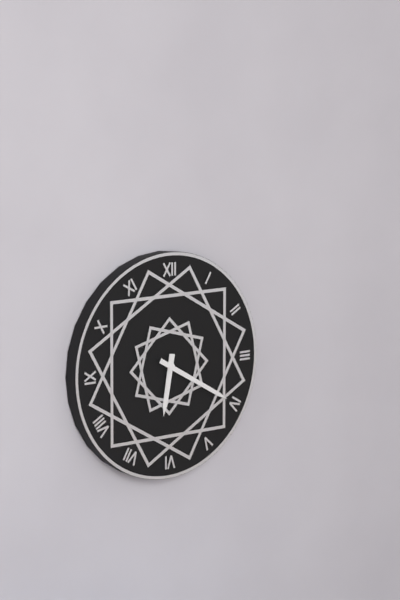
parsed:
**6:20**
